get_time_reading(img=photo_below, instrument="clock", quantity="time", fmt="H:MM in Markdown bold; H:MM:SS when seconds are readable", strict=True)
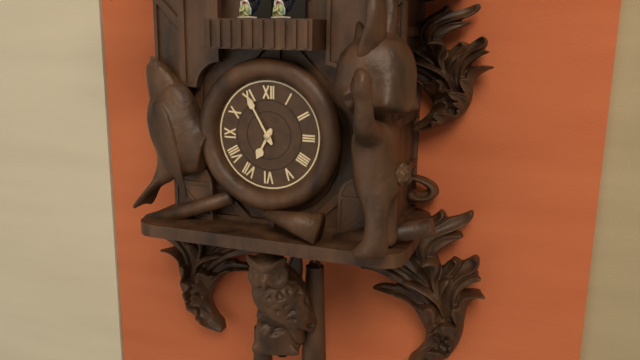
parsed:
**6:55**
